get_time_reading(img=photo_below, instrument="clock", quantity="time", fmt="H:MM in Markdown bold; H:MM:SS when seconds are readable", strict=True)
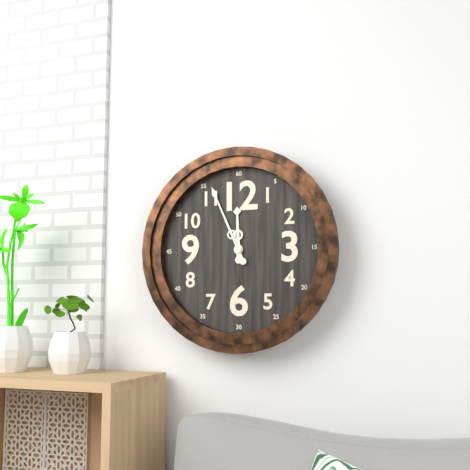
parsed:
**11:56**
